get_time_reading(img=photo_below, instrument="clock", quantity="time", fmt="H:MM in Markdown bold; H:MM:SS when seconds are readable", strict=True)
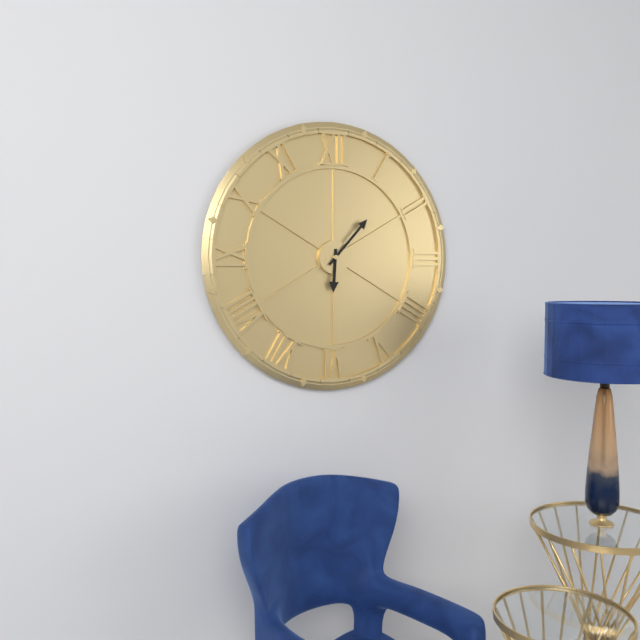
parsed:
**6:07**
